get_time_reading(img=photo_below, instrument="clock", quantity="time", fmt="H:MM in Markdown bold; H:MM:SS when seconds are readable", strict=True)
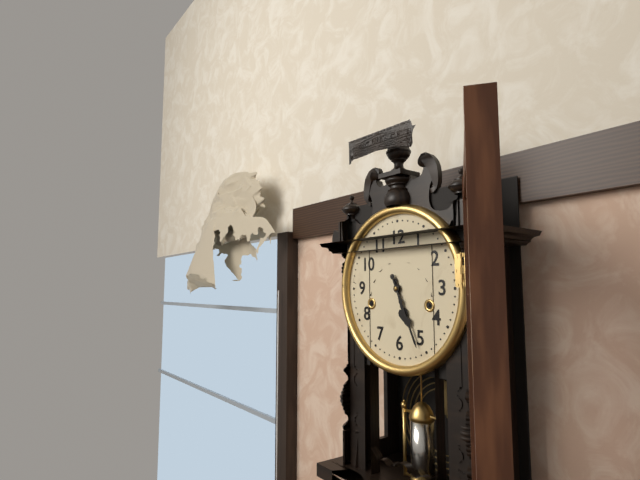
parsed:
**5:26**
